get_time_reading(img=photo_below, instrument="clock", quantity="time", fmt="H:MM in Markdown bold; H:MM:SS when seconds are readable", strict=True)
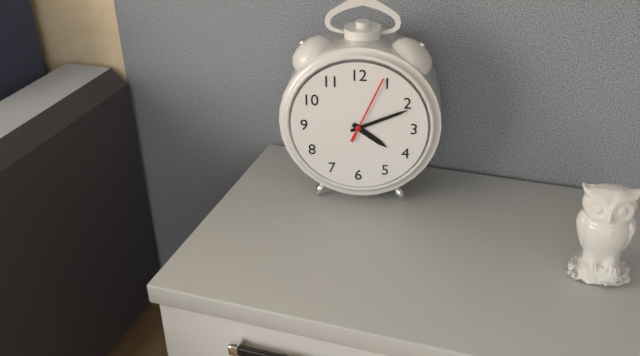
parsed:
**4:11:04**
